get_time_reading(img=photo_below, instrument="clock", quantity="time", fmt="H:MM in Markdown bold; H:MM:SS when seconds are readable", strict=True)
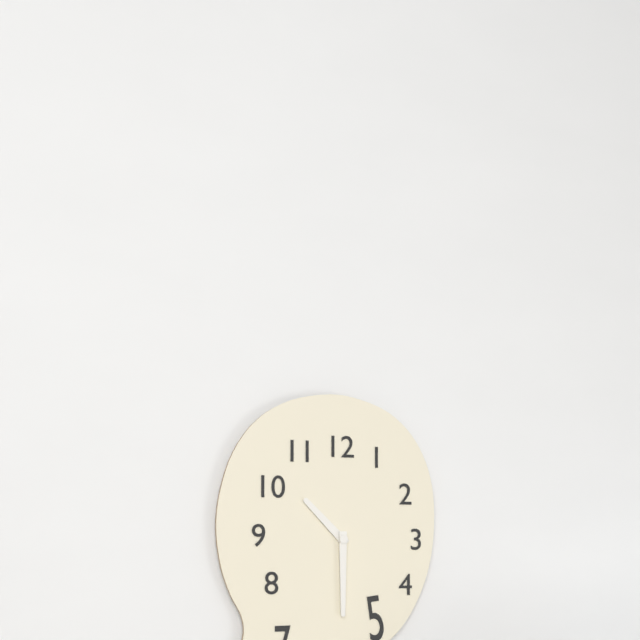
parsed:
**10:30**
